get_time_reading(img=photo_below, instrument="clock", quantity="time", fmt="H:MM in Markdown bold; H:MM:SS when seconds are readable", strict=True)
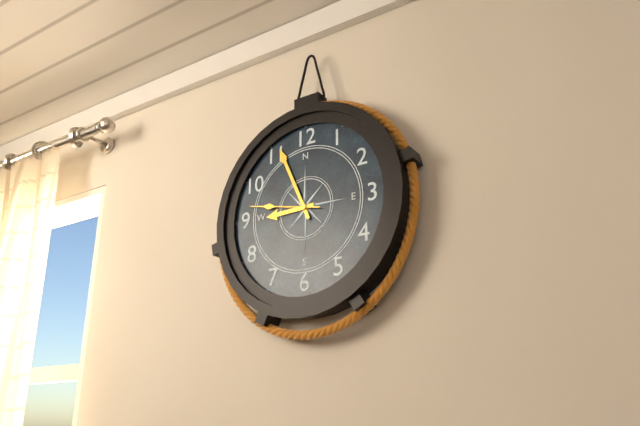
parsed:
**8:56:47**
